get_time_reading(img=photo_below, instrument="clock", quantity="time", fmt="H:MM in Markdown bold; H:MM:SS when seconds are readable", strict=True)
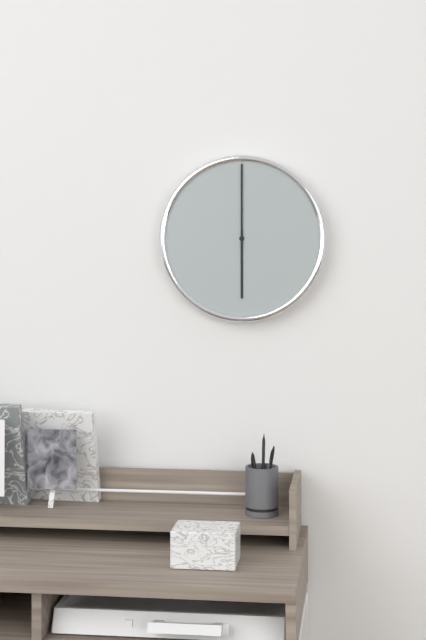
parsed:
**6:00**
